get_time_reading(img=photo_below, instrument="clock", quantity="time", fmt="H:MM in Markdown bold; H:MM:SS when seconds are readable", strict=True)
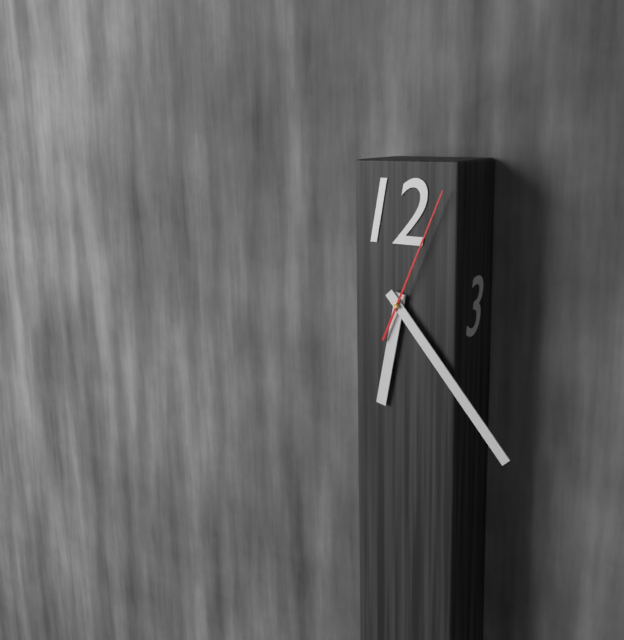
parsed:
**6:23:04**
